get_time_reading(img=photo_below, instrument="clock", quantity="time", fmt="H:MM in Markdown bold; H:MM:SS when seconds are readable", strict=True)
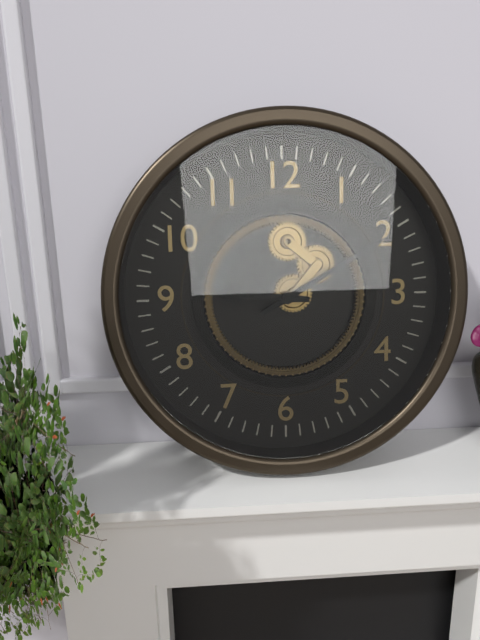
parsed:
**9:10**
